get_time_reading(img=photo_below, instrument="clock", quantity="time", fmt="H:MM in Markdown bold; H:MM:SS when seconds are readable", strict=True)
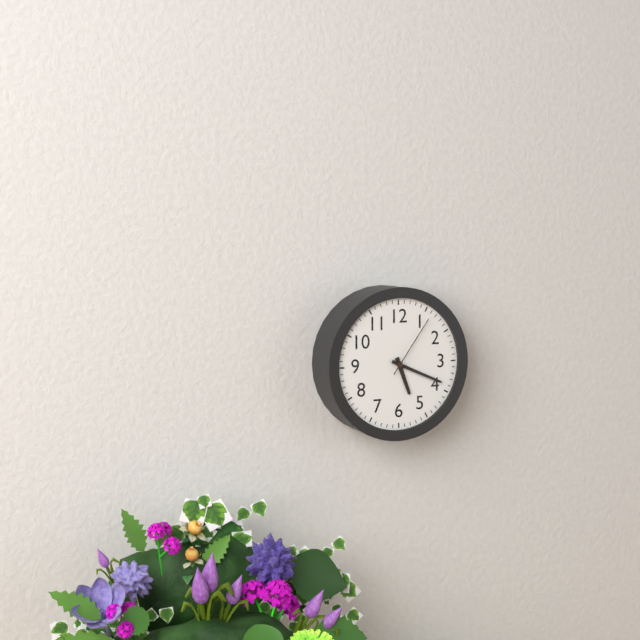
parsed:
**5:19:06**
